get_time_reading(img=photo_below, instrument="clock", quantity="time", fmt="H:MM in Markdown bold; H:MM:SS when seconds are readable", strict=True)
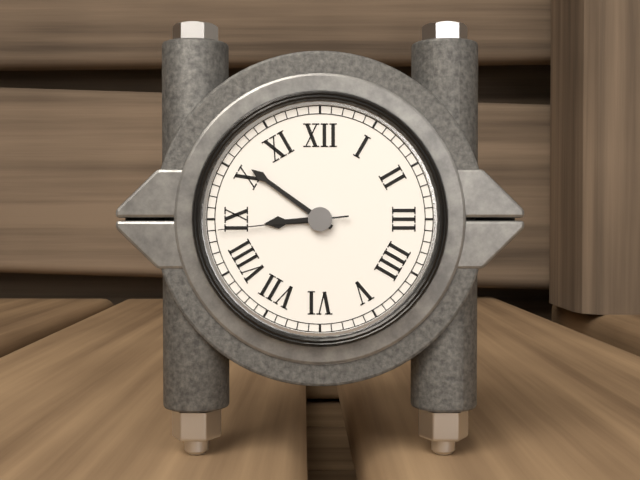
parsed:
**8:51:44**
